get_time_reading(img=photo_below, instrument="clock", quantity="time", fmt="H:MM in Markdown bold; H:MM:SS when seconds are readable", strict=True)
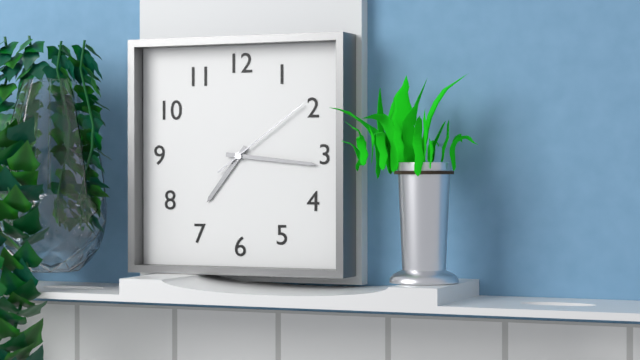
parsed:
**7:16:09**
